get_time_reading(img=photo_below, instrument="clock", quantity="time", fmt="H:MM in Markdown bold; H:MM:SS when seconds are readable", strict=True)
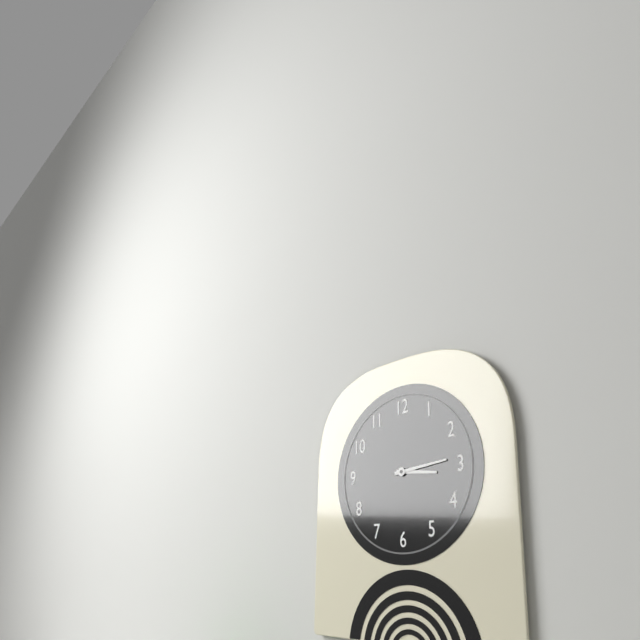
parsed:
**3:14**
